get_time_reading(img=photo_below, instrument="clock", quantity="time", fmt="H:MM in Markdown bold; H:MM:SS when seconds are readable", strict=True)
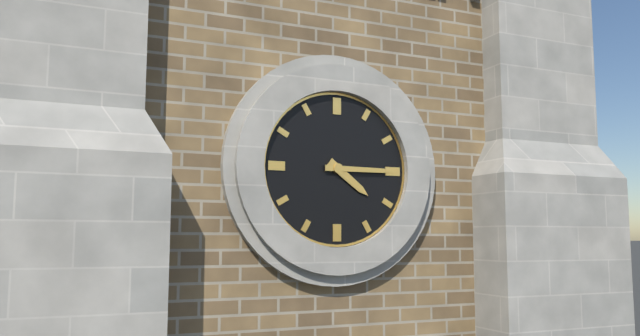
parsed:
**4:15**
